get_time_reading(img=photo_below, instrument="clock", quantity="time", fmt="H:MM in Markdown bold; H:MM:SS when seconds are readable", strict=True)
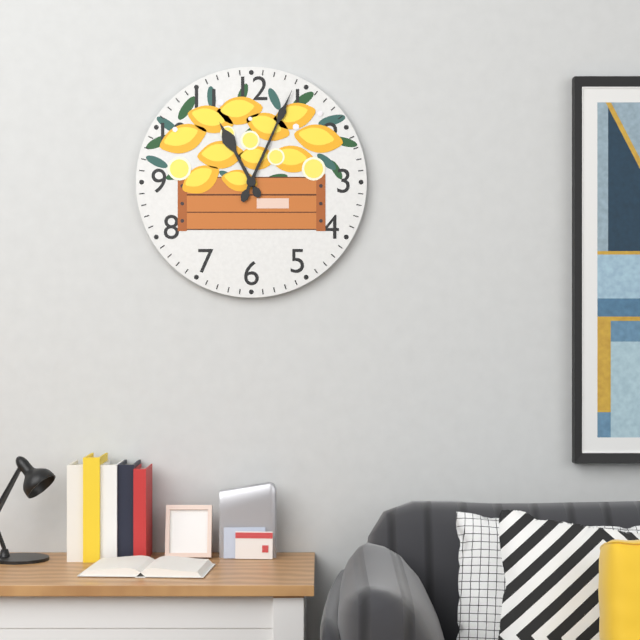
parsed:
**11:04**
